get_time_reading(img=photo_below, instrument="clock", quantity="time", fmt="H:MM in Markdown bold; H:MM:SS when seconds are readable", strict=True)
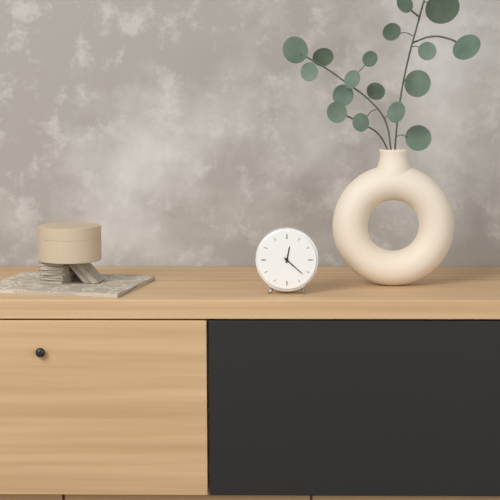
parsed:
**12:22**
